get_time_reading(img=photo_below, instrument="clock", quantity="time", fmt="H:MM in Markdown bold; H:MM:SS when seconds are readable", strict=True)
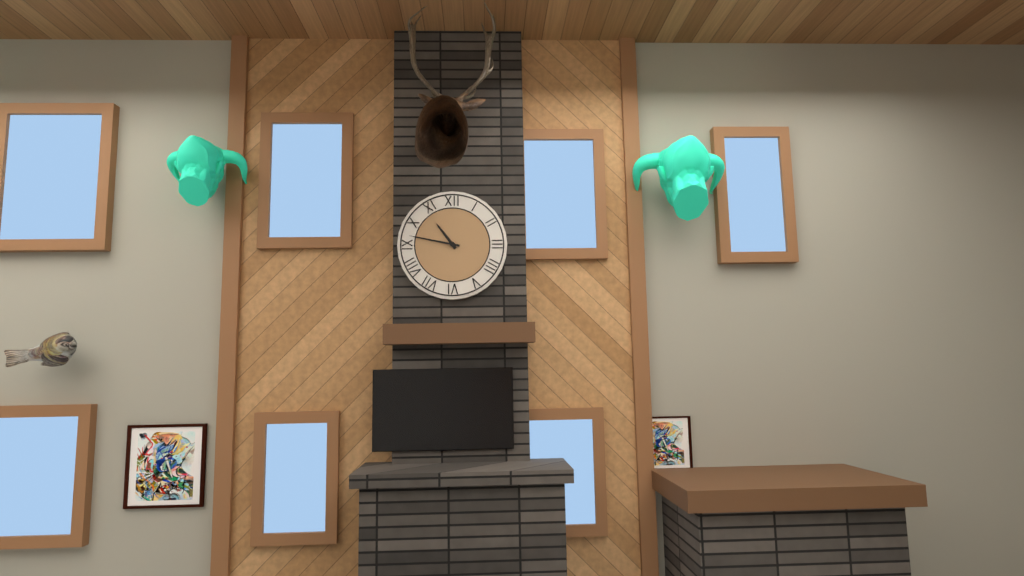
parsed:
**10:47**
